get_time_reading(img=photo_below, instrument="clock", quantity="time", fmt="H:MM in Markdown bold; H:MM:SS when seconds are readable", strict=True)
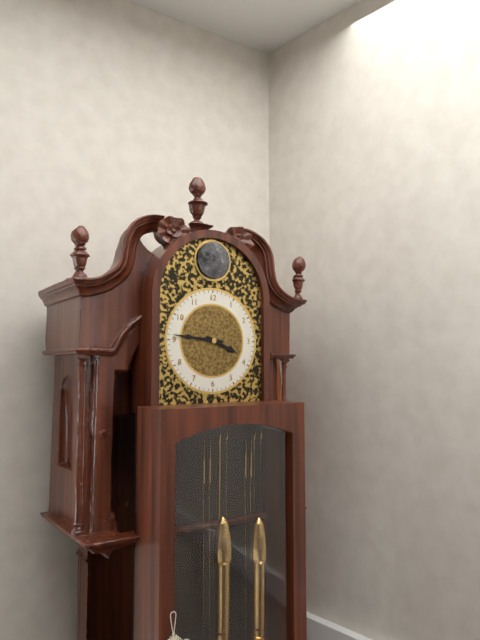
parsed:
**3:46**
